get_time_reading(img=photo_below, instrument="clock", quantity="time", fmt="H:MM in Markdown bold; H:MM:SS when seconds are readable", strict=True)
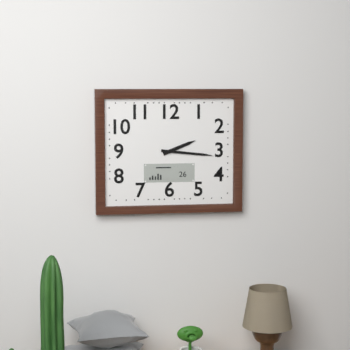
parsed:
**2:16**
